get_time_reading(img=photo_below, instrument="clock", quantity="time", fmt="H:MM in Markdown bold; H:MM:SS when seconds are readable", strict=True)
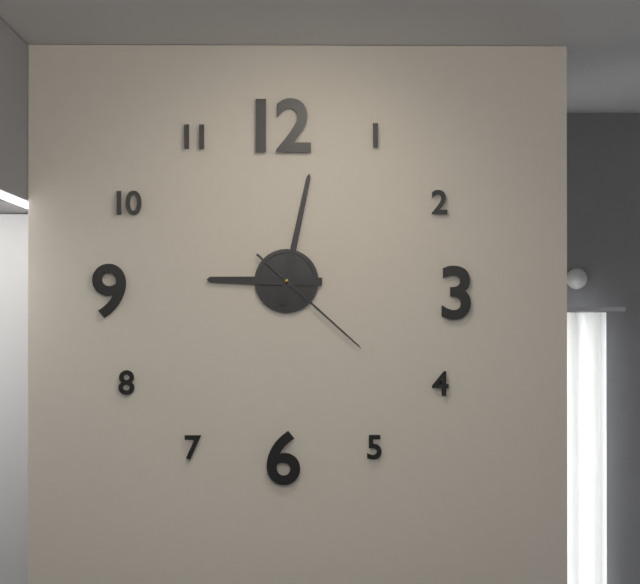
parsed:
**9:02:22**
